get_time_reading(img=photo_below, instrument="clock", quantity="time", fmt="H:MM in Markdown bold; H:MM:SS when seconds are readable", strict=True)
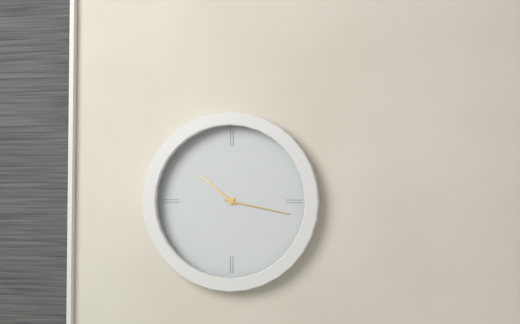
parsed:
**10:17**
